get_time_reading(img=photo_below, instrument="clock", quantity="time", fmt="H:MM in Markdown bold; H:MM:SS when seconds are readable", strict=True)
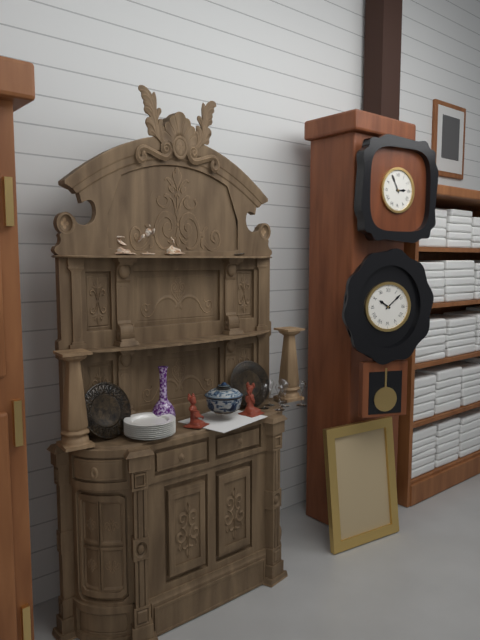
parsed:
**2:55**
